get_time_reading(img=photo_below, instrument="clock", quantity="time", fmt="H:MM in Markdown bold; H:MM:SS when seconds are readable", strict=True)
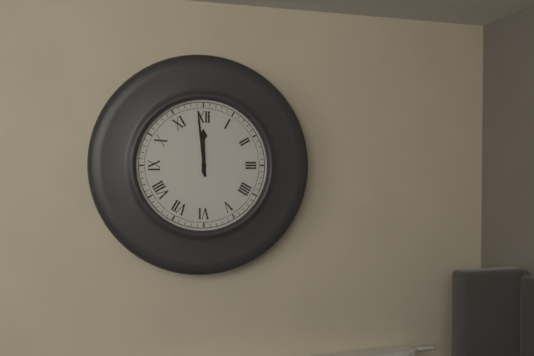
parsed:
**11:59**
